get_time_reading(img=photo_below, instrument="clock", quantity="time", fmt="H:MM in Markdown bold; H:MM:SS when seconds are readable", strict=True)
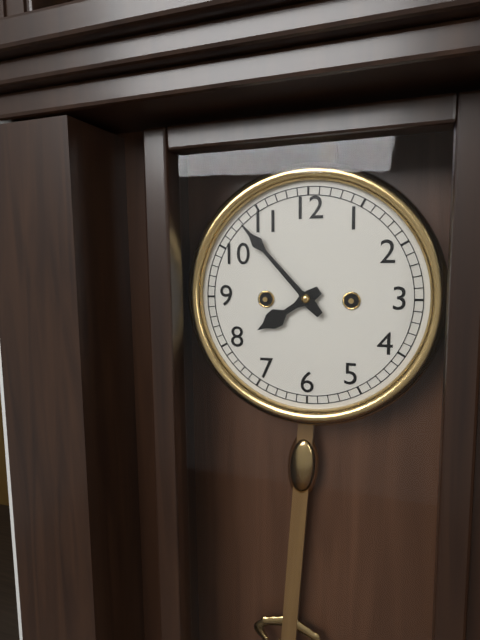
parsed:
**7:53**
